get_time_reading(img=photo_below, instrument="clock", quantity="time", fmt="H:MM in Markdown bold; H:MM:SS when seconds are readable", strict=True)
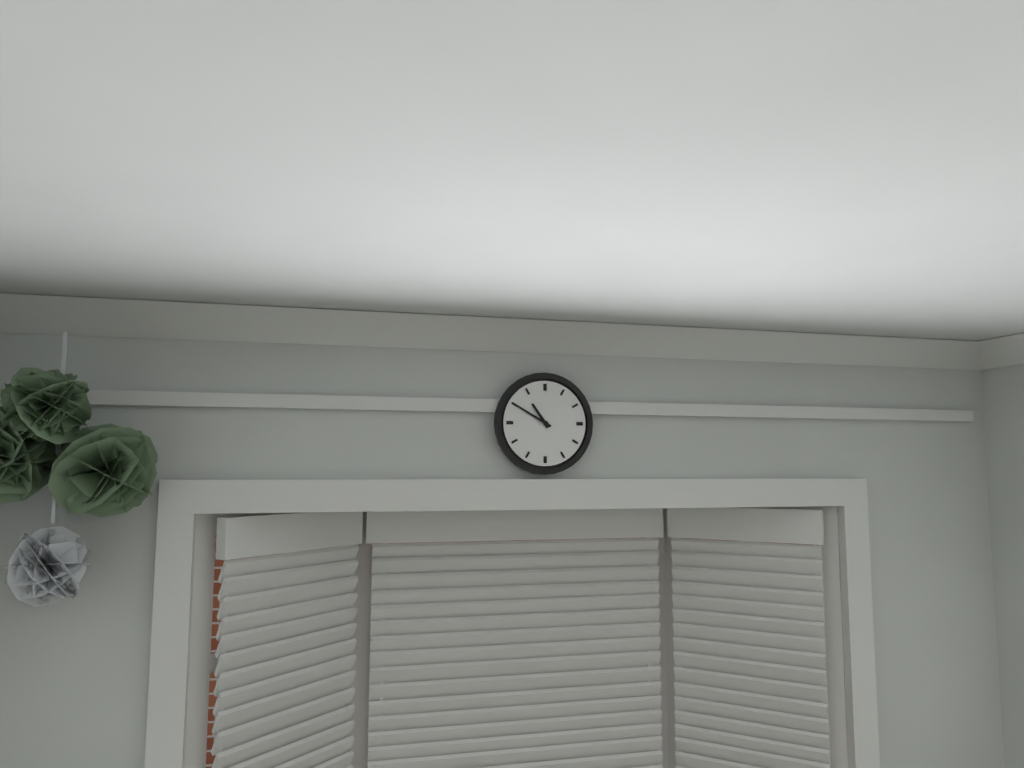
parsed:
**10:50**
